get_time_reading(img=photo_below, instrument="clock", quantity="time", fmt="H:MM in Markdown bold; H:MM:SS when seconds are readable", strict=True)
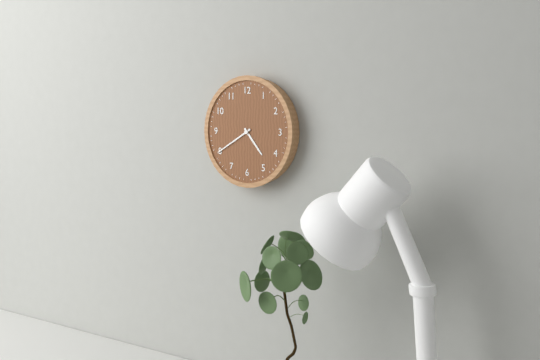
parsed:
**4:40**
